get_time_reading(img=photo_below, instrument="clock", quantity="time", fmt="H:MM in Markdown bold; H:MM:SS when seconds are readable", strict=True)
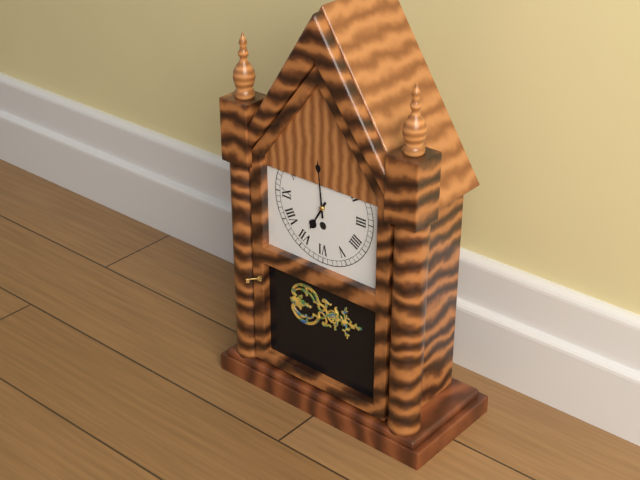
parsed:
**6:59**
